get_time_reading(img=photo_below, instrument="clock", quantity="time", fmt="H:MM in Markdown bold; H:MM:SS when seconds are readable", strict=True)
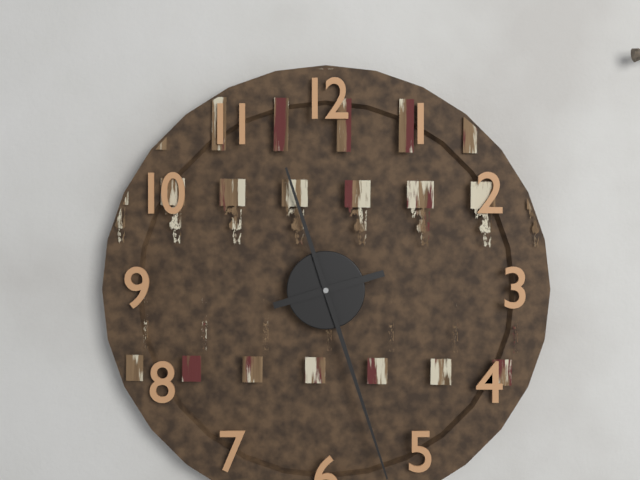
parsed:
**2:27**
